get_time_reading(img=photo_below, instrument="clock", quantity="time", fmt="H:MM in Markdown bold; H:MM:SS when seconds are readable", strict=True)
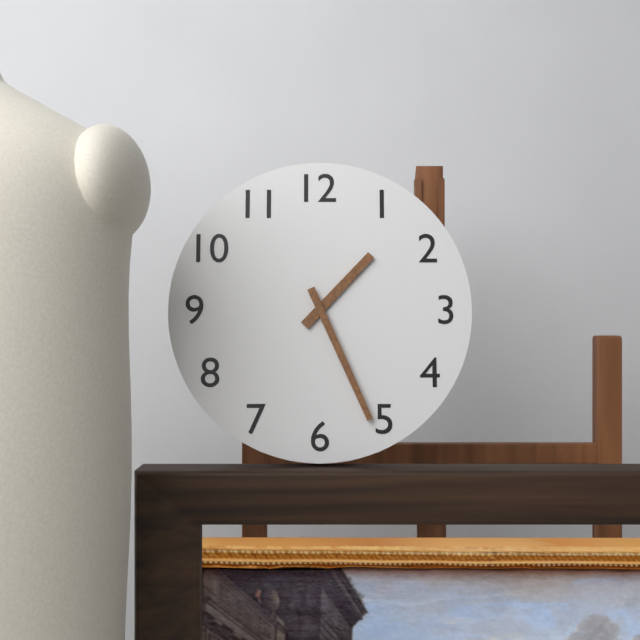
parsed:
**1:26**
